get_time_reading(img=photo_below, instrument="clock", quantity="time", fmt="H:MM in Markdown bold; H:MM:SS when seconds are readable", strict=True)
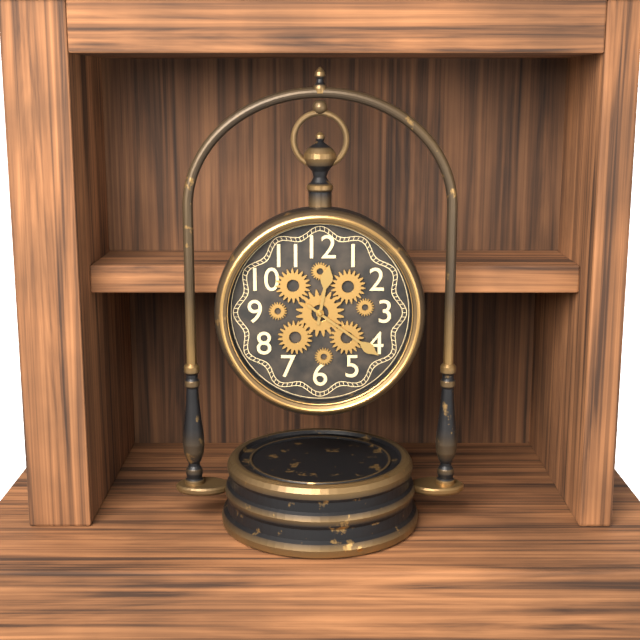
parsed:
**12:21**
